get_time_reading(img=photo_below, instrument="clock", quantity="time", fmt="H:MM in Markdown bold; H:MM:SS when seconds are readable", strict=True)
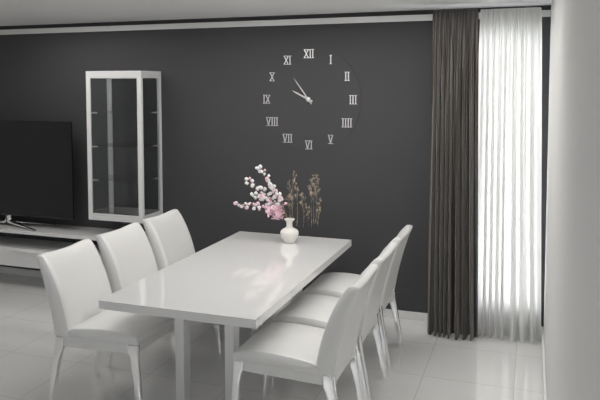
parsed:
**9:54**
